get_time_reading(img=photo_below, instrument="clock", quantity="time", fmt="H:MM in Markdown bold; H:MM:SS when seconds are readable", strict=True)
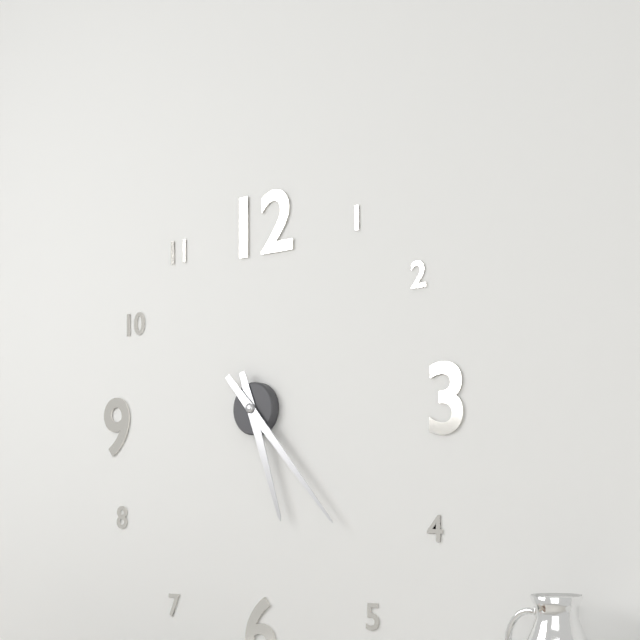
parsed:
**5:23**
